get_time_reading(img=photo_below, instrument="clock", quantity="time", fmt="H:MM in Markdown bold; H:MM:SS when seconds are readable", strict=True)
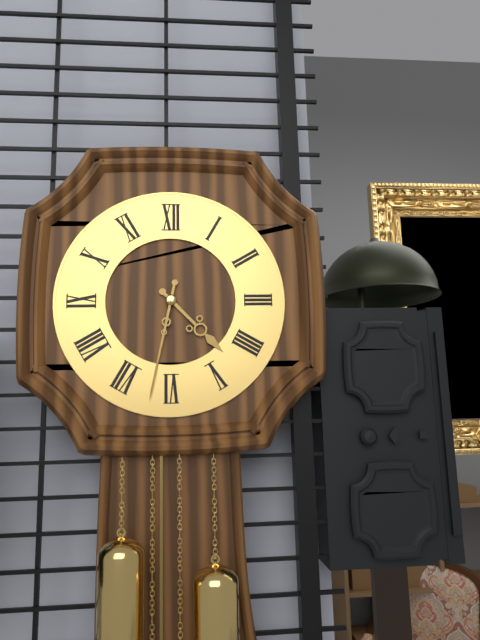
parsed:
**4:32**
